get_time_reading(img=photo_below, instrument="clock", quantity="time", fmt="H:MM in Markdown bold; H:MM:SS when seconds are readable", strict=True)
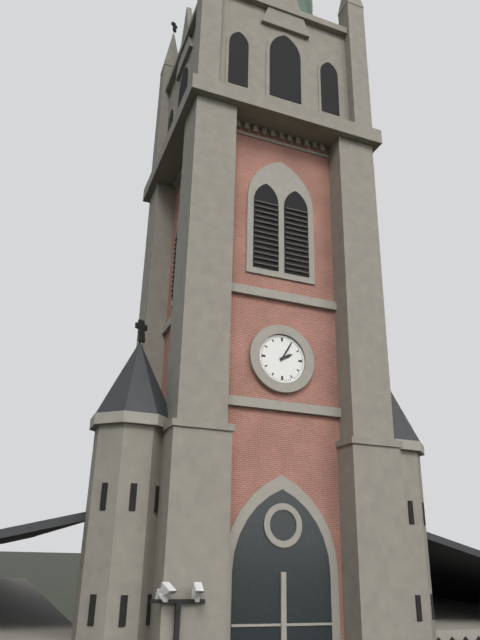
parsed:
**2:05**
